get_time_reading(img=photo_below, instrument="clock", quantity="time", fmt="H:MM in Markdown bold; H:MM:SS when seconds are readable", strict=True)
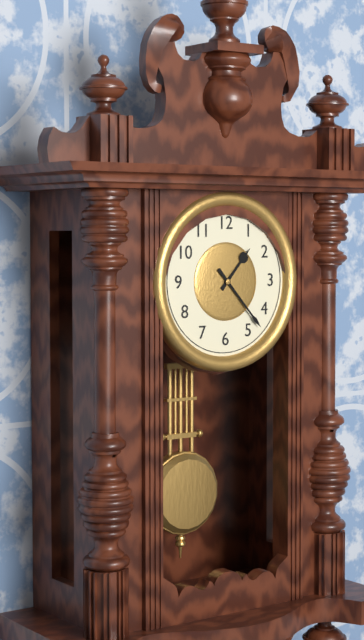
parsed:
**1:23**
